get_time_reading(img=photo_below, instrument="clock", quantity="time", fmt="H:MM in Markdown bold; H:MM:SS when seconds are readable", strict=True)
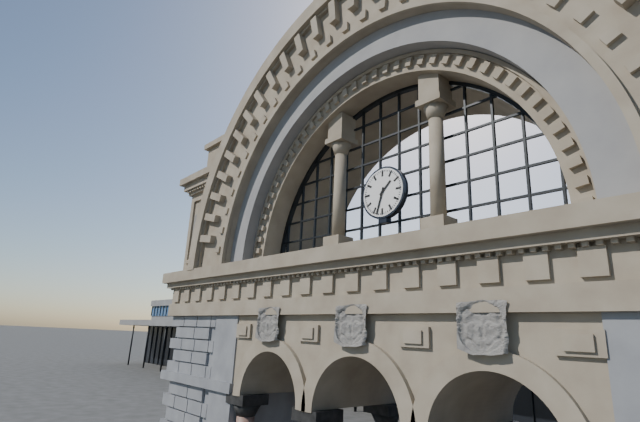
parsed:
**1:33**
